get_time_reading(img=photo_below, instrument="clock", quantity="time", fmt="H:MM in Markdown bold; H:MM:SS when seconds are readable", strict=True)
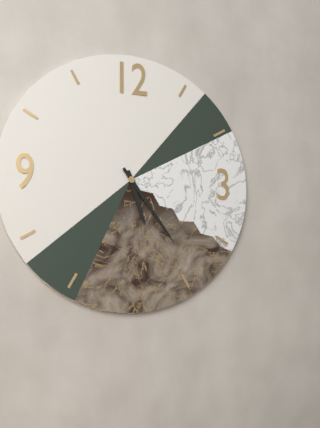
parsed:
**5:24**
